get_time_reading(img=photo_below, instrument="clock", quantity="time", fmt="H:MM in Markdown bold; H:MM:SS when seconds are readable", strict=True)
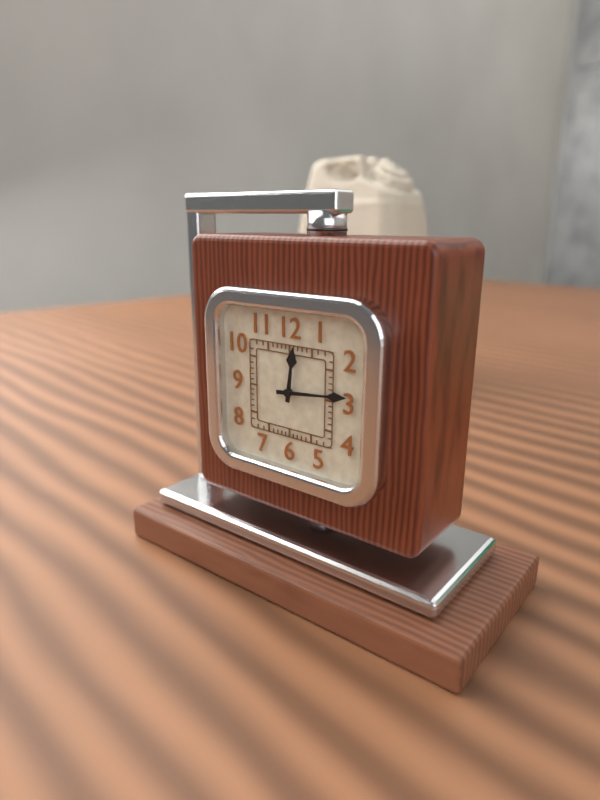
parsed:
**12:14**
